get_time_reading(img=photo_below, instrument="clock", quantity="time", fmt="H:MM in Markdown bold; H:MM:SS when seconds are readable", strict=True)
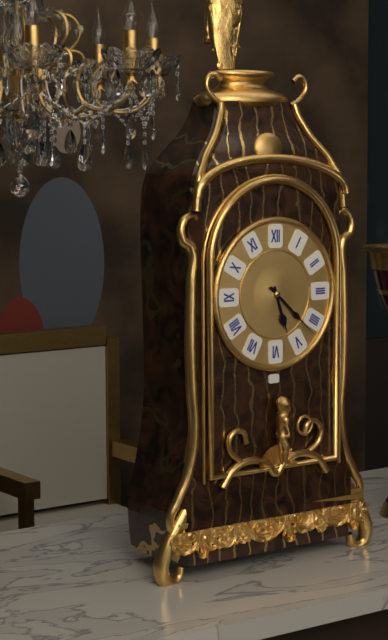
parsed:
**5:22**
